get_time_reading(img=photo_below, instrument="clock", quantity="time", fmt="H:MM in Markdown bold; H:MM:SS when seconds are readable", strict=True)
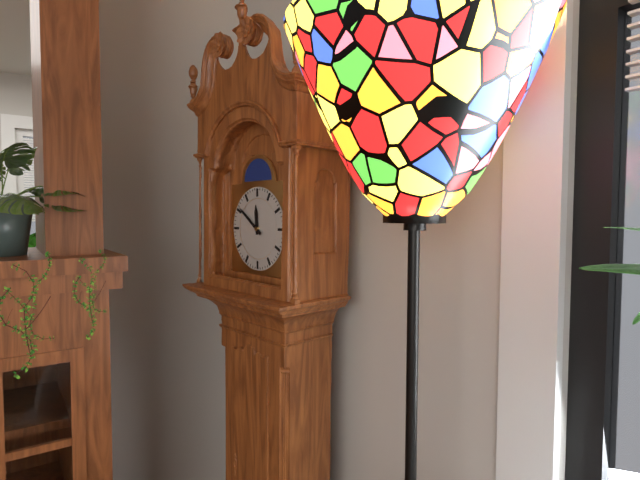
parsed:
**11:51**
